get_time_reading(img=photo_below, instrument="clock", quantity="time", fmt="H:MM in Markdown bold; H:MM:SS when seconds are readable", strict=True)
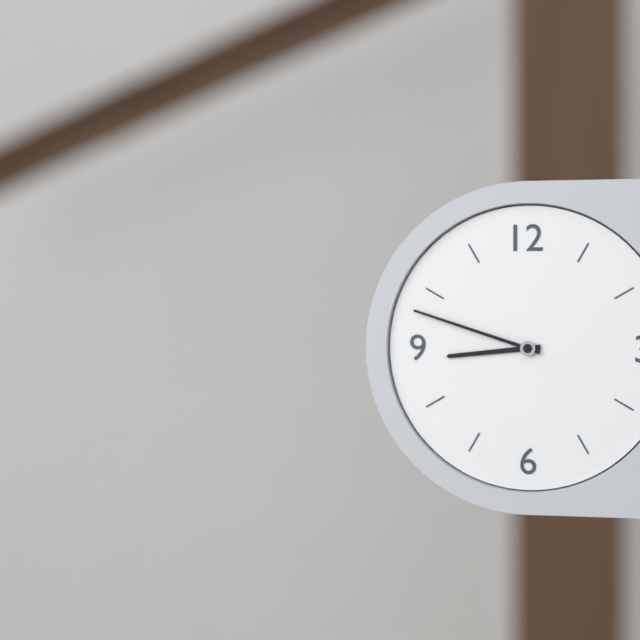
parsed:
**8:48**
